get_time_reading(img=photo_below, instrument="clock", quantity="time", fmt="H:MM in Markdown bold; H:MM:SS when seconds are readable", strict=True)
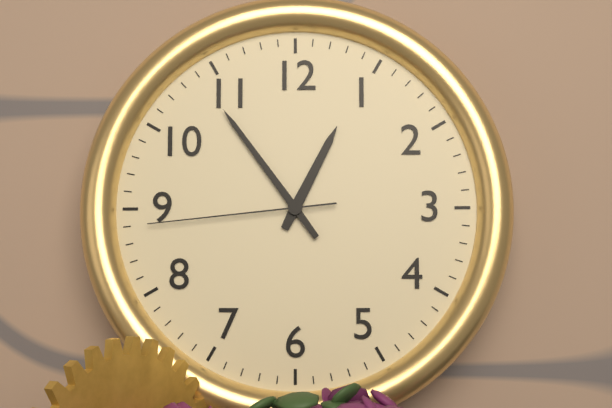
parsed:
**12:54:44**
